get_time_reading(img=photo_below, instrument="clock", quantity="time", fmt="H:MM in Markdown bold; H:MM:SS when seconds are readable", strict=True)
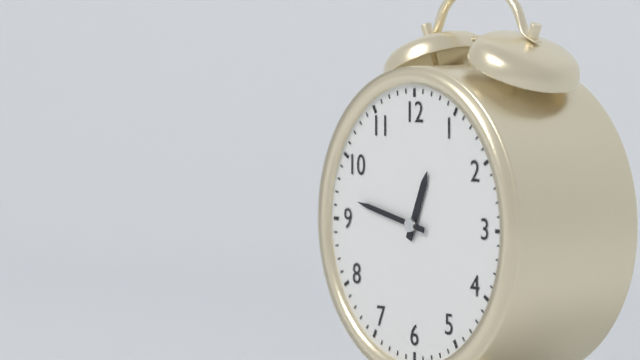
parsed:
**12:47**
